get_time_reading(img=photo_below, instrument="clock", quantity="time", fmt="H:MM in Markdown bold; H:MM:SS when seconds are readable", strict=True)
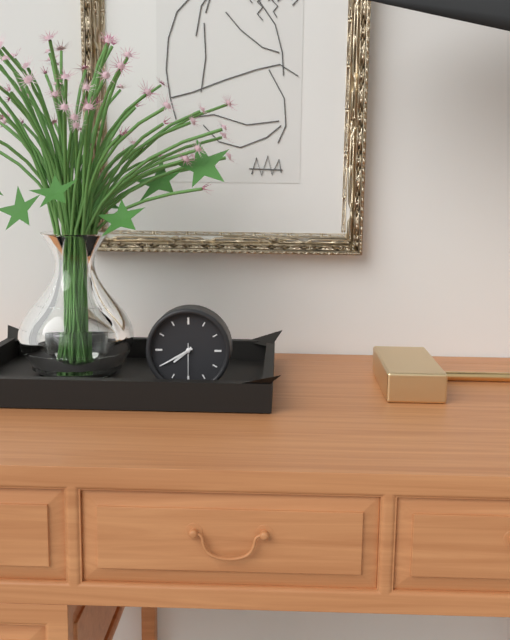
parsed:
**7:40**
